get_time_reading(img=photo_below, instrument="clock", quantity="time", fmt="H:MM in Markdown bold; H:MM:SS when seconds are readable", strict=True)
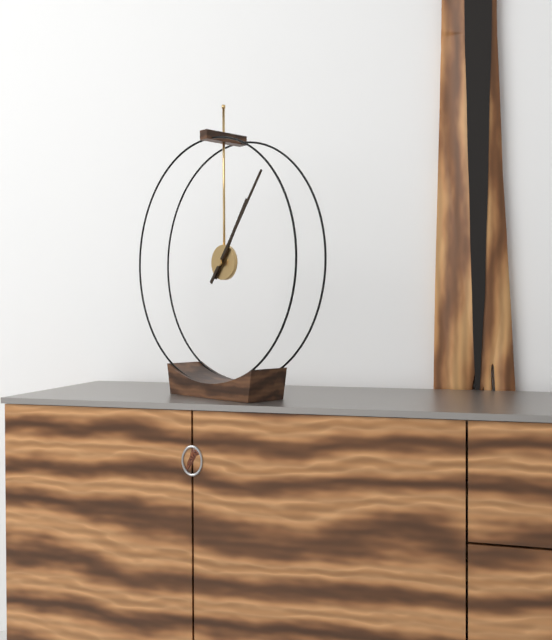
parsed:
**1:06**
